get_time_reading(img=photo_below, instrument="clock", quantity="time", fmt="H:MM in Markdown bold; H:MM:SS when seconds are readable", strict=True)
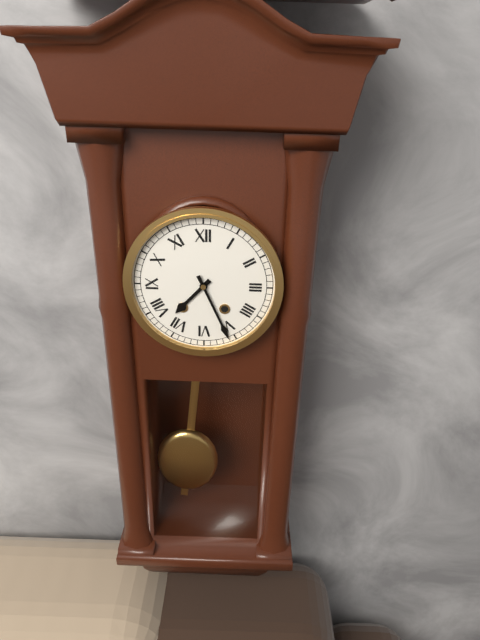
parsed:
**7:26**
